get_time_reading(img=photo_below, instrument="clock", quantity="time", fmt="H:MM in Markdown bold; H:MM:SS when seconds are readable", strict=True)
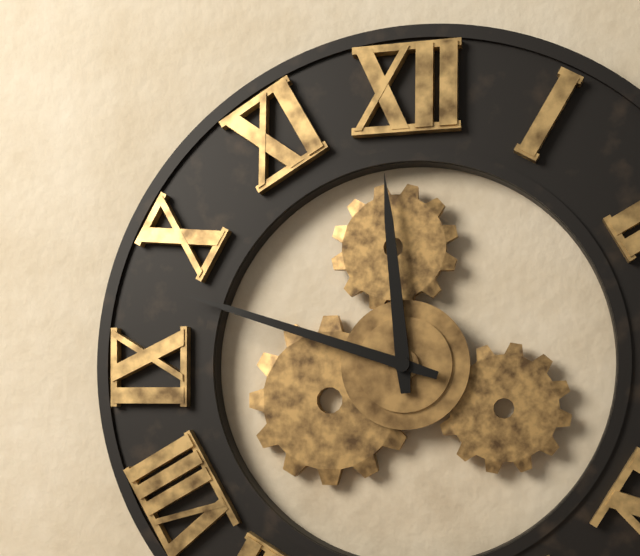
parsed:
**11:48**
